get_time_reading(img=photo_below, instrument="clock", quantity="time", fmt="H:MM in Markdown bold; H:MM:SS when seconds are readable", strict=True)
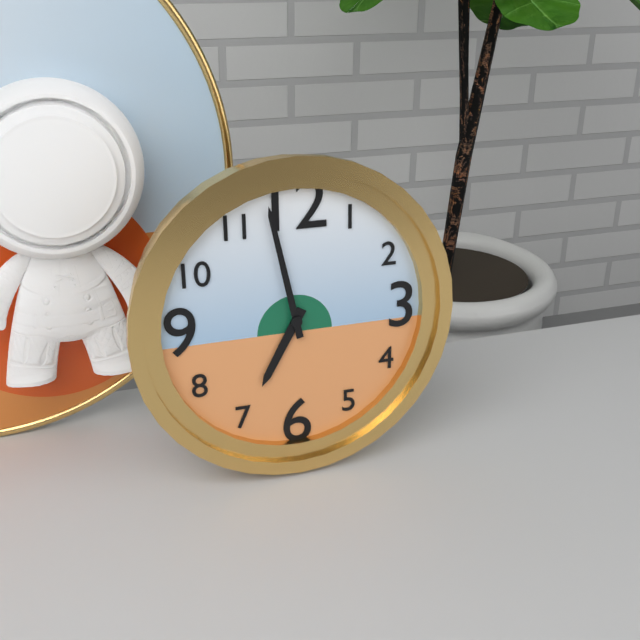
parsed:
**6:58**
